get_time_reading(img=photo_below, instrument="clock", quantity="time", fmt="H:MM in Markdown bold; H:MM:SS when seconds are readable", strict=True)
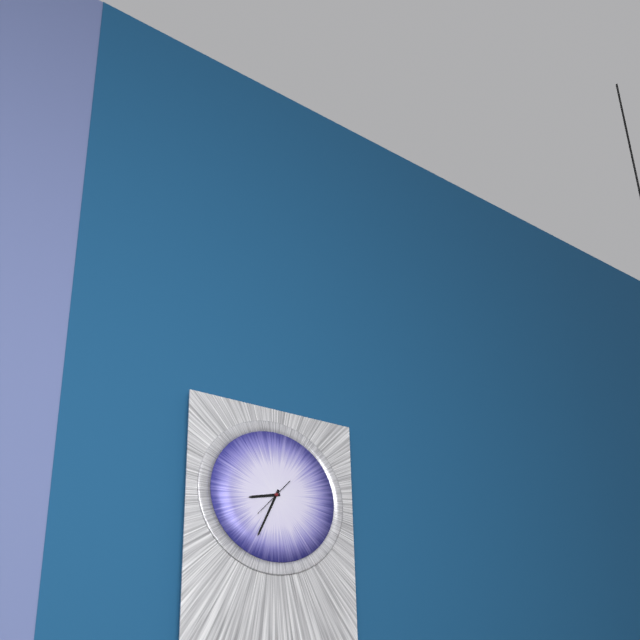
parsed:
**8:34**
